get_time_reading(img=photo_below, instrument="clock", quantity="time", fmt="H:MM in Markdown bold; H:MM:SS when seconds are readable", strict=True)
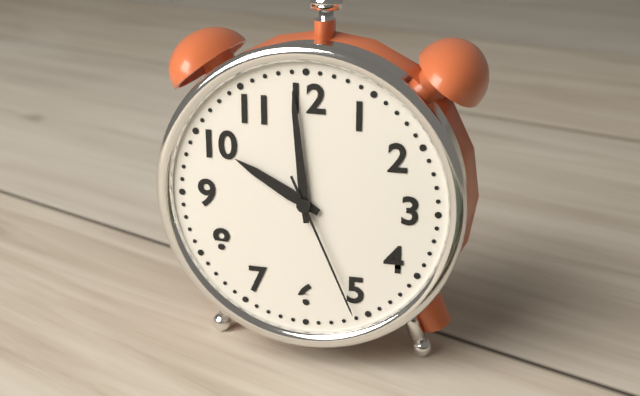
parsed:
**9:59:26**
